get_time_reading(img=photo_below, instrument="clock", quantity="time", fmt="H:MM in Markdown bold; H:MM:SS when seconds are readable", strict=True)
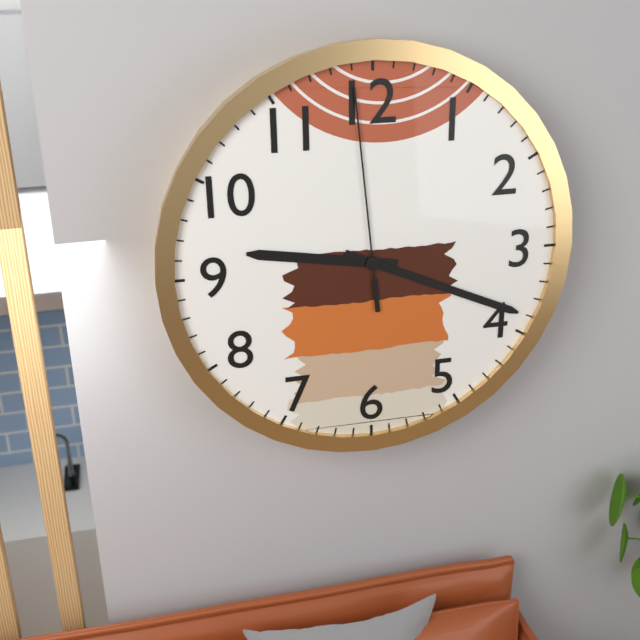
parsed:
**9:19:59**
